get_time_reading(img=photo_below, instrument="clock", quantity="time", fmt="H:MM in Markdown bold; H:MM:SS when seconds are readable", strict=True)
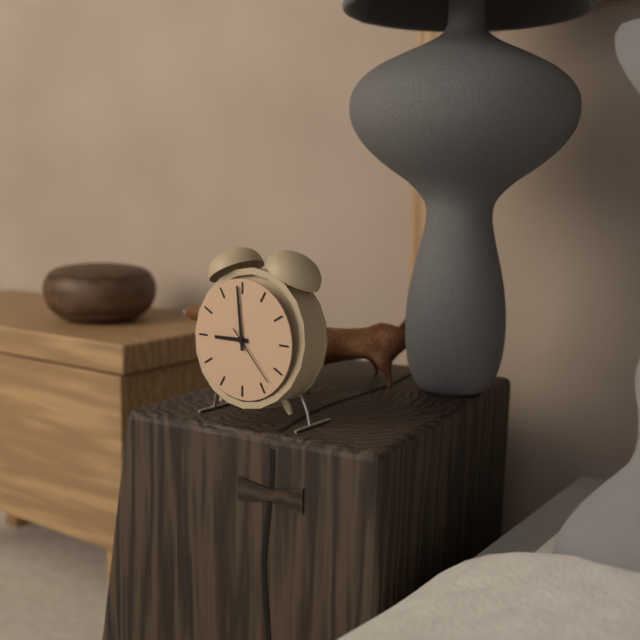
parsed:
**8:59:23**
